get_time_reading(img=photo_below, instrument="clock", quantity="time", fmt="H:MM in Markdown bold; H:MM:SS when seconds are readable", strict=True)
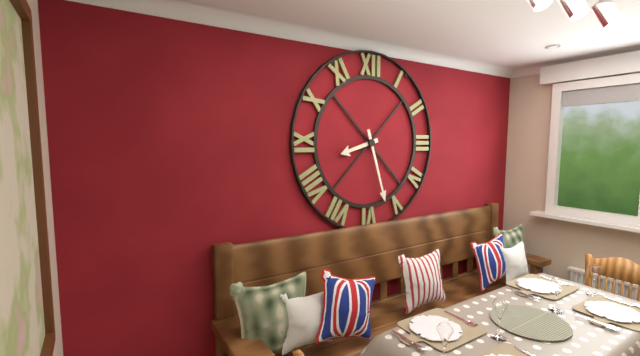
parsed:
**8:27**
